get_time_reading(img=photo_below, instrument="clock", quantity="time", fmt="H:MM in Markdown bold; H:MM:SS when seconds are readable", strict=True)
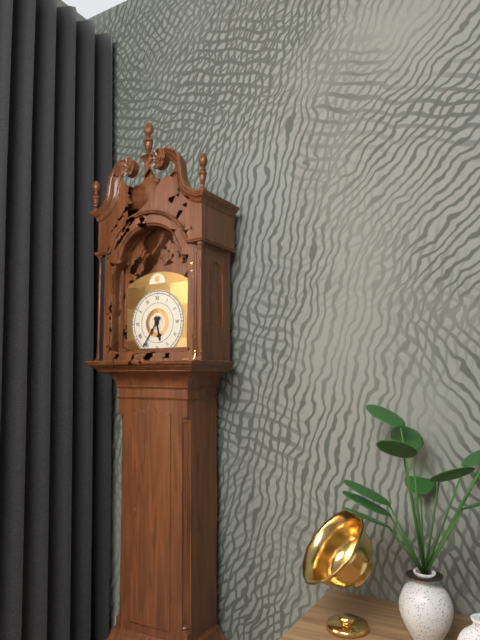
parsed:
**5:36**
